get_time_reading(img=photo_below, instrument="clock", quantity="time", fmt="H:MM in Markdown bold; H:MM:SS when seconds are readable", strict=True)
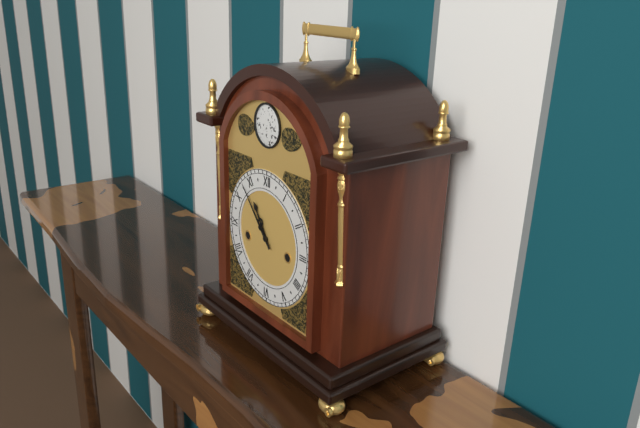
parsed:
**10:53**
